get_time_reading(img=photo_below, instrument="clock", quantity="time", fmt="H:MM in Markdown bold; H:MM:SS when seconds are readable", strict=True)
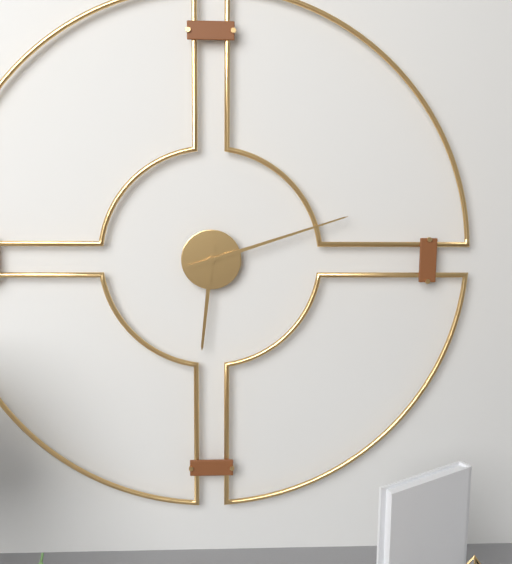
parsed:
**6:12**
